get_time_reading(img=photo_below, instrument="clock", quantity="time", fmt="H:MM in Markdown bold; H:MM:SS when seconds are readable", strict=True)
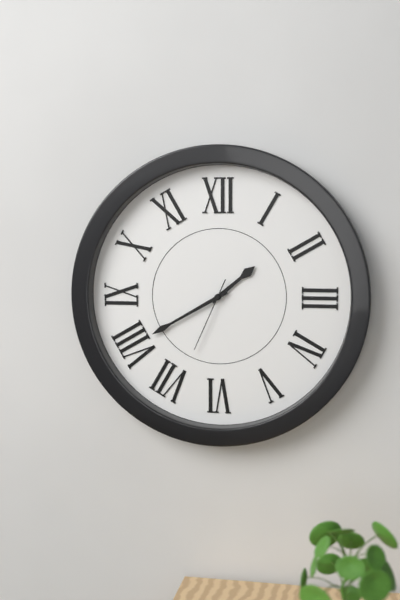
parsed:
**1:40:34**
